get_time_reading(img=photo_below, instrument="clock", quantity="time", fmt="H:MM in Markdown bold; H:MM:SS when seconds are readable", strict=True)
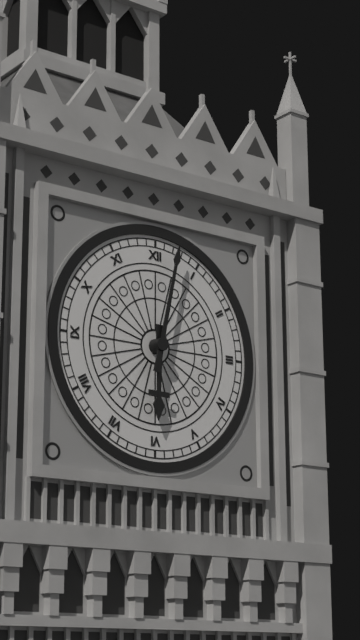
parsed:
**6:02**
